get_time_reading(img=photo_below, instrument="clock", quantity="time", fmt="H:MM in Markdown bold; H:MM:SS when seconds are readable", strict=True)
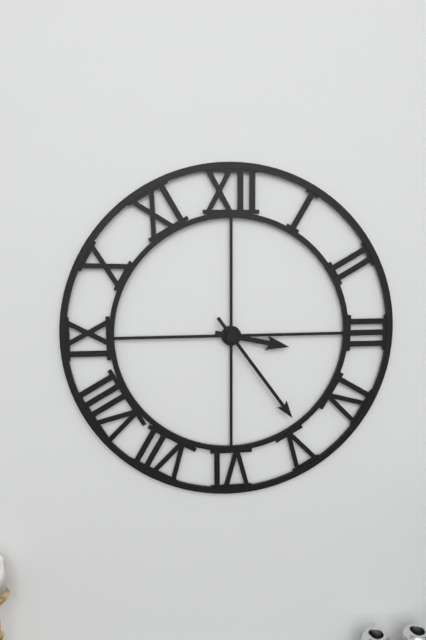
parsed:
**3:24**
